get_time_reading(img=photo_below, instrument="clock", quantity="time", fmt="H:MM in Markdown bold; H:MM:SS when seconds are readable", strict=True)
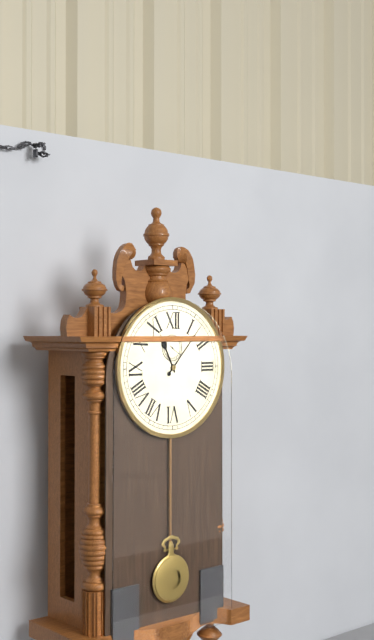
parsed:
**11:07**
